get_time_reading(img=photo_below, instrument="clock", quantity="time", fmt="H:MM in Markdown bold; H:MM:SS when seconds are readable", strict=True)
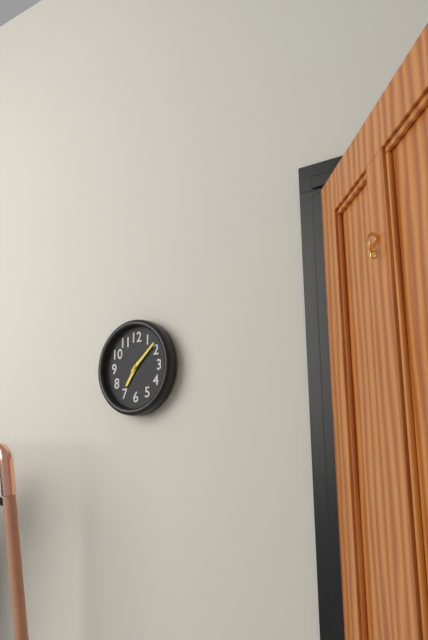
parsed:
**7:08**
